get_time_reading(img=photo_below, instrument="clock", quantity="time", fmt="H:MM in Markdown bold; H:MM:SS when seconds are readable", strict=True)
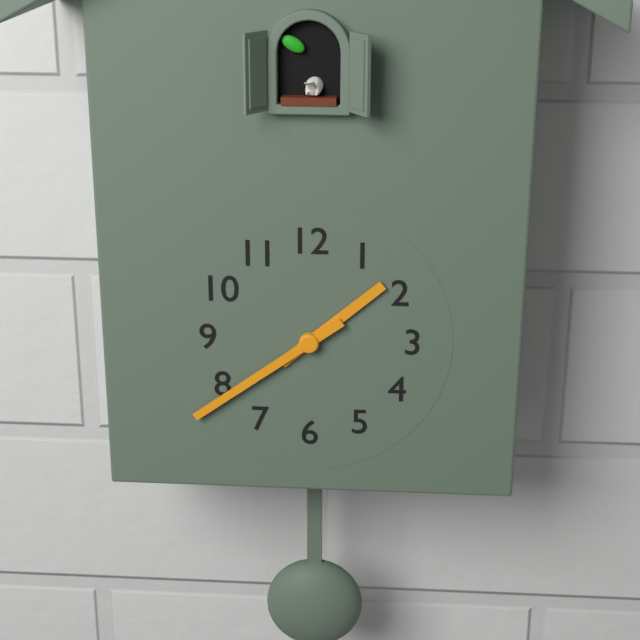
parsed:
**1:39**
